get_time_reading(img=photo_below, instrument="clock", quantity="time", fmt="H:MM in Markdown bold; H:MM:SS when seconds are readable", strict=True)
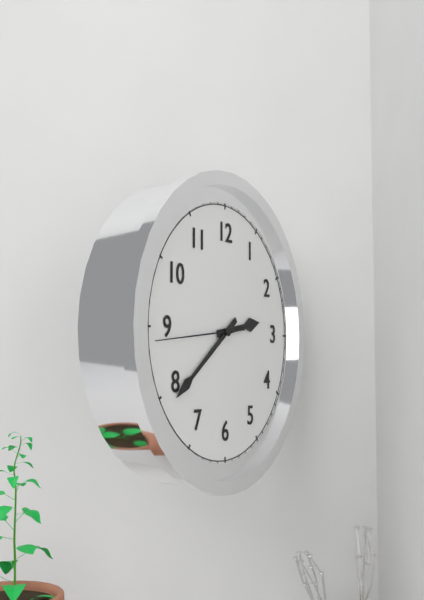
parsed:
**2:39:44**
